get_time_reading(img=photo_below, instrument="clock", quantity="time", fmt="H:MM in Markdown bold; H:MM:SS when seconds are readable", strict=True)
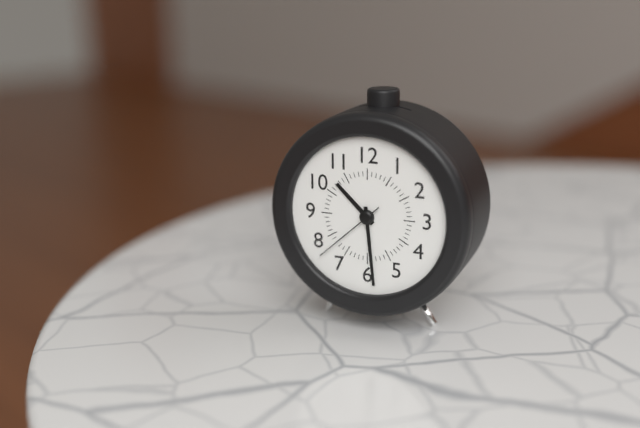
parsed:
**10:29:38**
